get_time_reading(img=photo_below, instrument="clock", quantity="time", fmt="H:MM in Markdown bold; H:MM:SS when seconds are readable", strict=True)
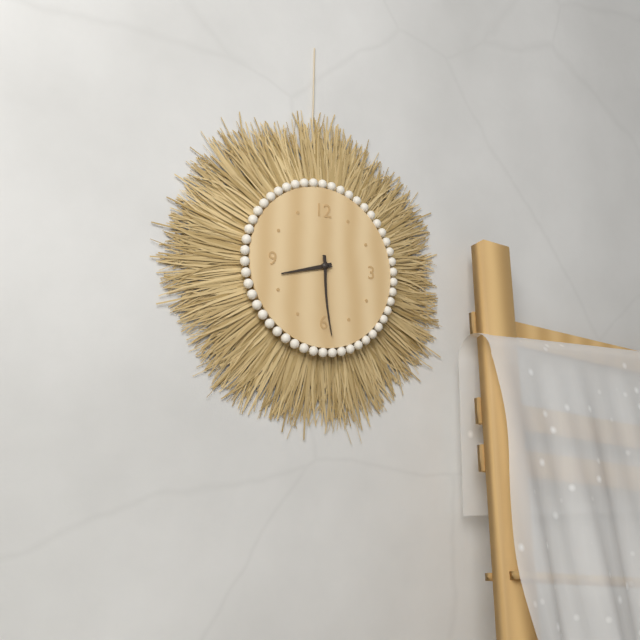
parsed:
**8:29**
